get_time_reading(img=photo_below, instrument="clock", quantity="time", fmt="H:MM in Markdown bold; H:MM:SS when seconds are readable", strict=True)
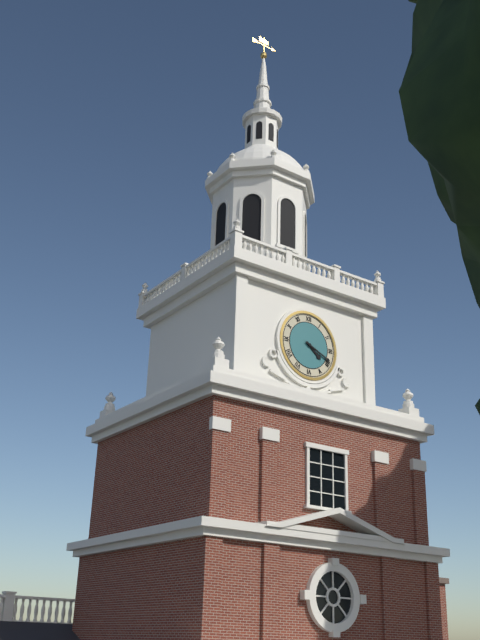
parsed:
**4:19**
